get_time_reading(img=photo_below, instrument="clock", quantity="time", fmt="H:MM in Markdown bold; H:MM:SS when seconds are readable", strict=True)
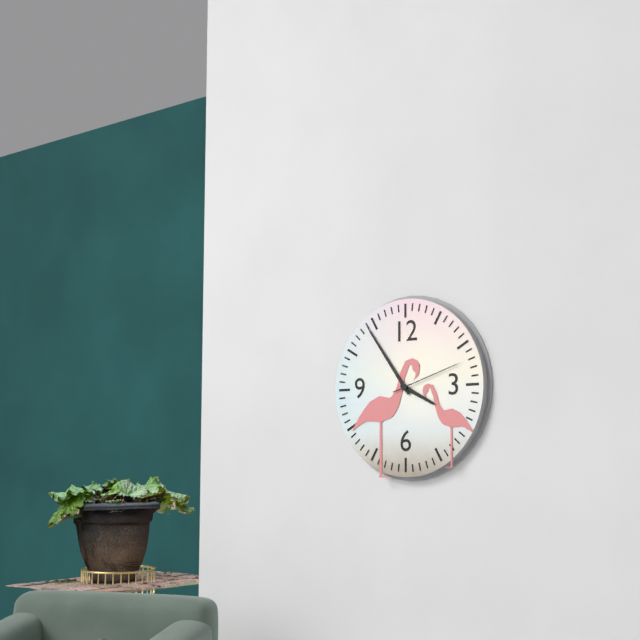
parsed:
**3:54:12**
